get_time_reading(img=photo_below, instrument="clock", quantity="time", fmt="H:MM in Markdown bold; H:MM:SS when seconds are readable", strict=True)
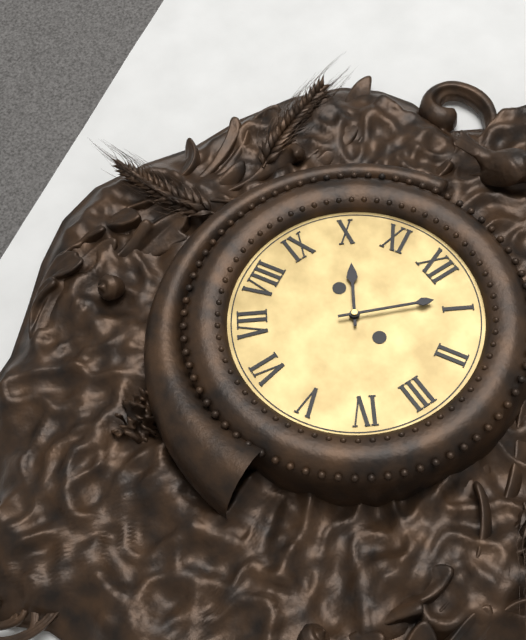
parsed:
**10:04**
